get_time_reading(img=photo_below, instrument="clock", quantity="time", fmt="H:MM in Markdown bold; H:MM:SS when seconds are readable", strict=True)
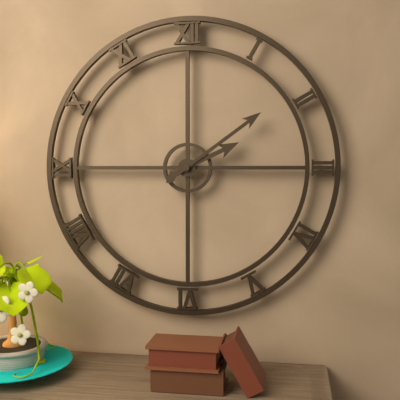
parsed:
**2:09**
